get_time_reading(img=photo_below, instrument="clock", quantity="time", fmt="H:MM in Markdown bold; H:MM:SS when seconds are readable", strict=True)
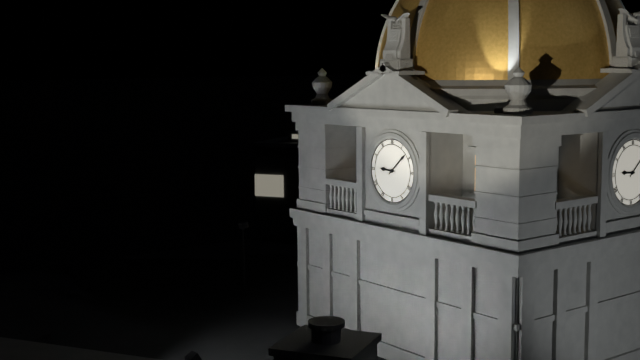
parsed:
**9:08**
